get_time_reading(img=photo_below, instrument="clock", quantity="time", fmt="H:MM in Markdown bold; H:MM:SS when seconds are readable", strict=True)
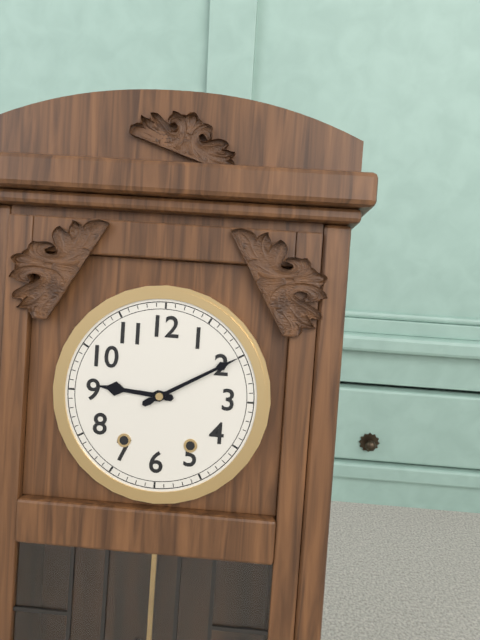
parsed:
**9:10**
